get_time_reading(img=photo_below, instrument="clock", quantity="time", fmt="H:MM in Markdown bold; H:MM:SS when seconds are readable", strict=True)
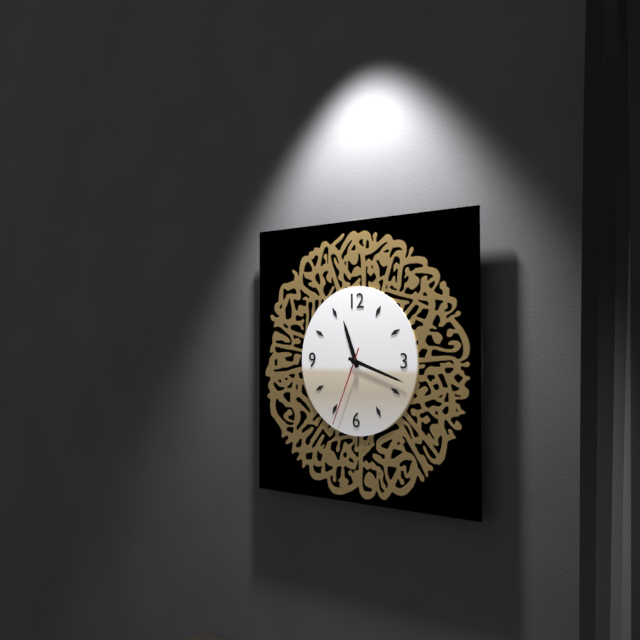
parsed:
**11:18:34**
